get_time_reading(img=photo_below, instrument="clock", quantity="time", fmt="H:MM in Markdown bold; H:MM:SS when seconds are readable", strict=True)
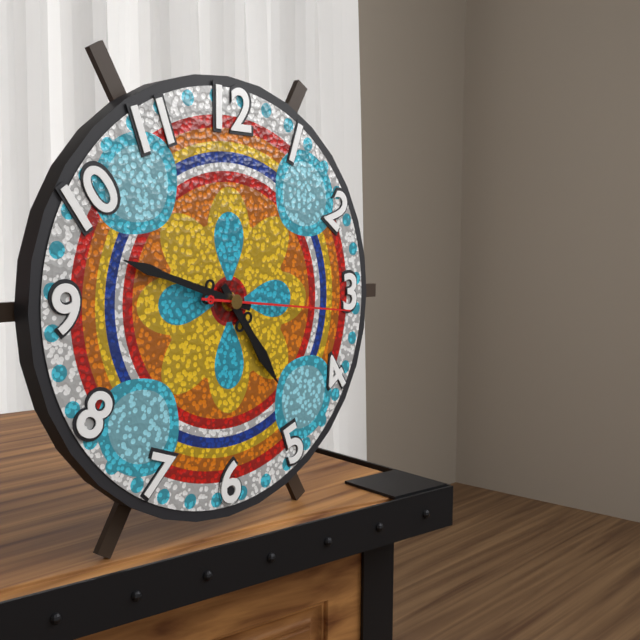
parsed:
**4:48:16**
